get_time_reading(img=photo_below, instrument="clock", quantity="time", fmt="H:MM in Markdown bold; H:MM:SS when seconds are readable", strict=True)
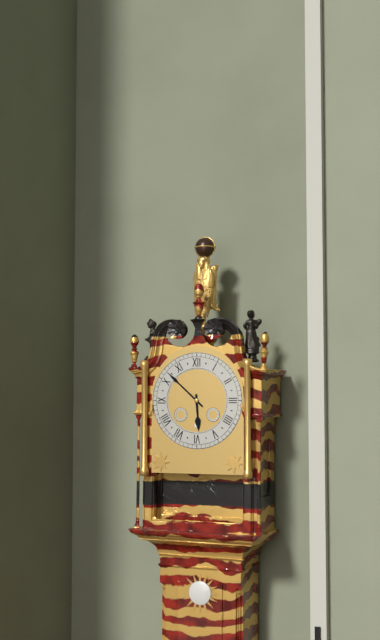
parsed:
**5:52**
